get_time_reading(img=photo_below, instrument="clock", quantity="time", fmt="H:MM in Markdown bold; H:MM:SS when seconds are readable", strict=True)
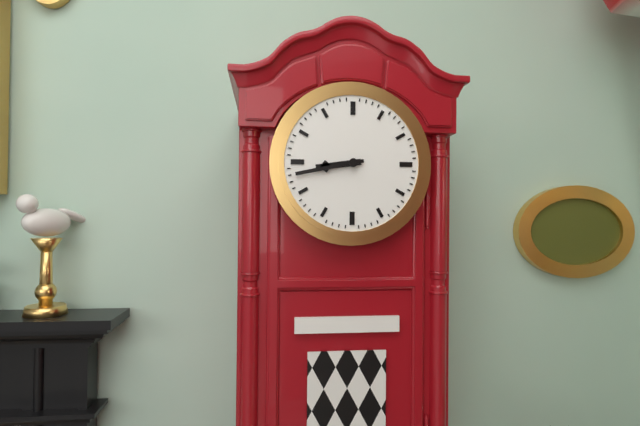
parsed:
**8:43**
